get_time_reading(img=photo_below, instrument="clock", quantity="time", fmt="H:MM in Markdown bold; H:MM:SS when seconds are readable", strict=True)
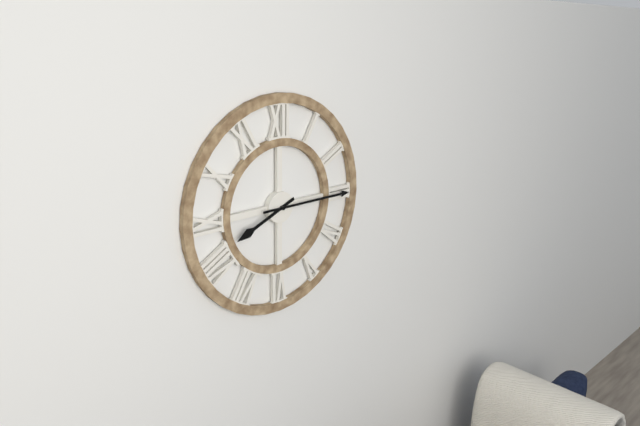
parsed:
**8:15**
